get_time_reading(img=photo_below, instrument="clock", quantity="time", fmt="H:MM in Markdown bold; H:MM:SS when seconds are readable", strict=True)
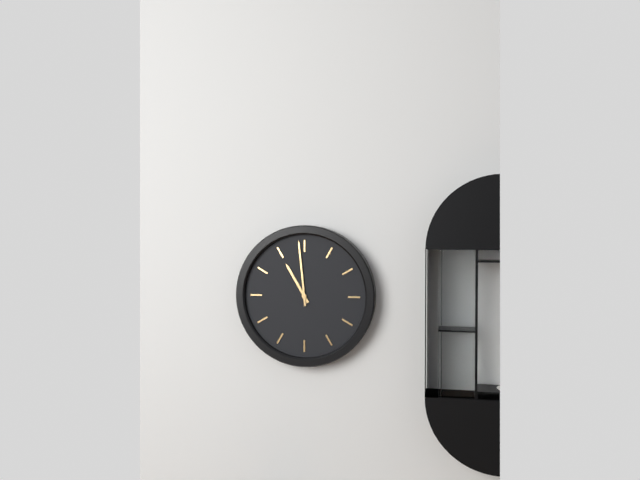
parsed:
**10:59**
